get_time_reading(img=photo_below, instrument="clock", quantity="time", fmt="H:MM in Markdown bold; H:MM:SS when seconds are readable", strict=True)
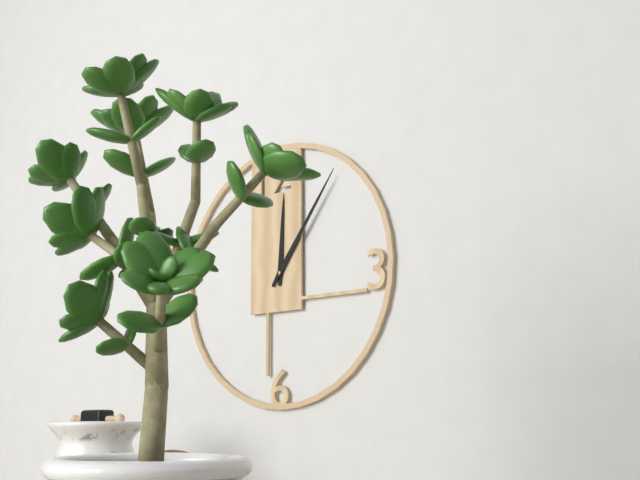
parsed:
**12:06**
